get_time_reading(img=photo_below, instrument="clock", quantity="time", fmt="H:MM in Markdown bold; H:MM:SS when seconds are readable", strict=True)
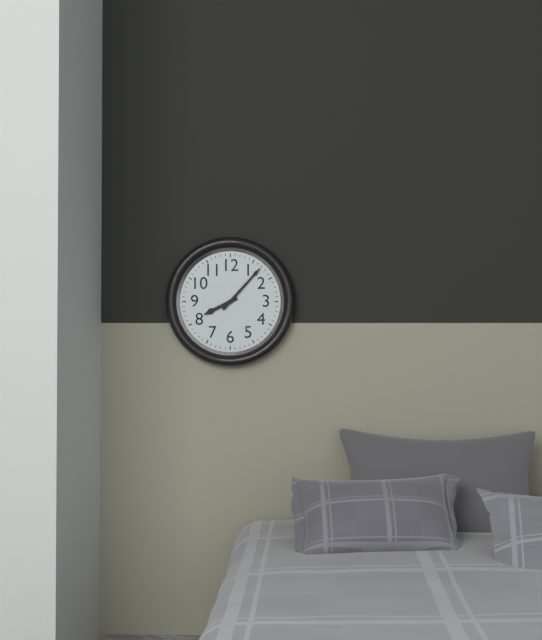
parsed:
**8:07**
